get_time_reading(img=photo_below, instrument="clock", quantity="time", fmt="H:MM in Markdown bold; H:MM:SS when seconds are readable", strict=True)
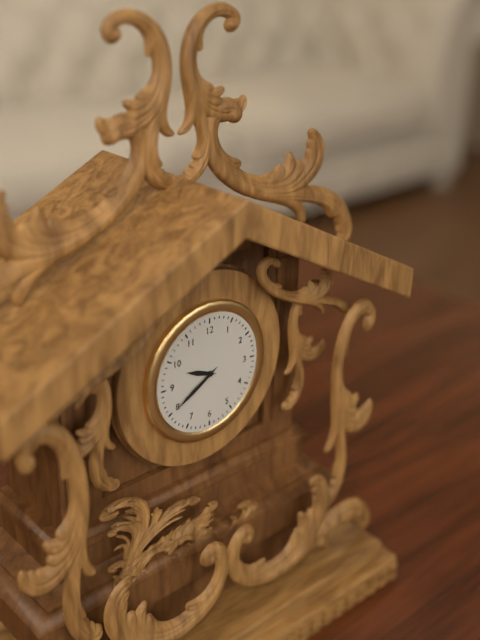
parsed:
**9:40**
